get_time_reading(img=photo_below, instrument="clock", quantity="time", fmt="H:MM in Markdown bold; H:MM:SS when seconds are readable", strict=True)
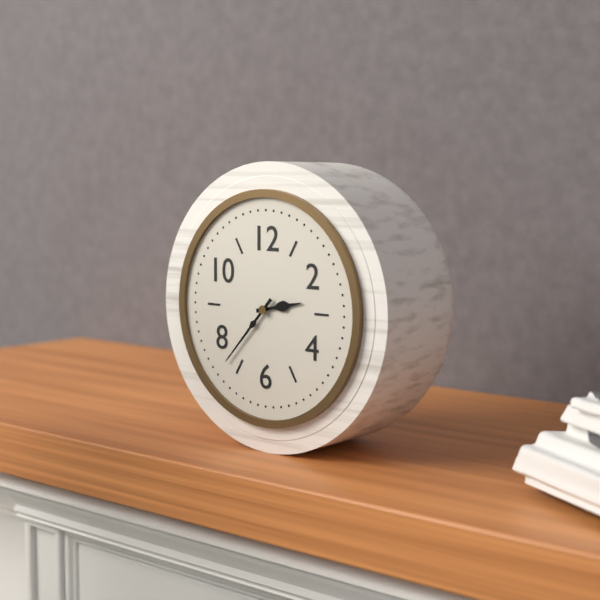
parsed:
**2:37**
